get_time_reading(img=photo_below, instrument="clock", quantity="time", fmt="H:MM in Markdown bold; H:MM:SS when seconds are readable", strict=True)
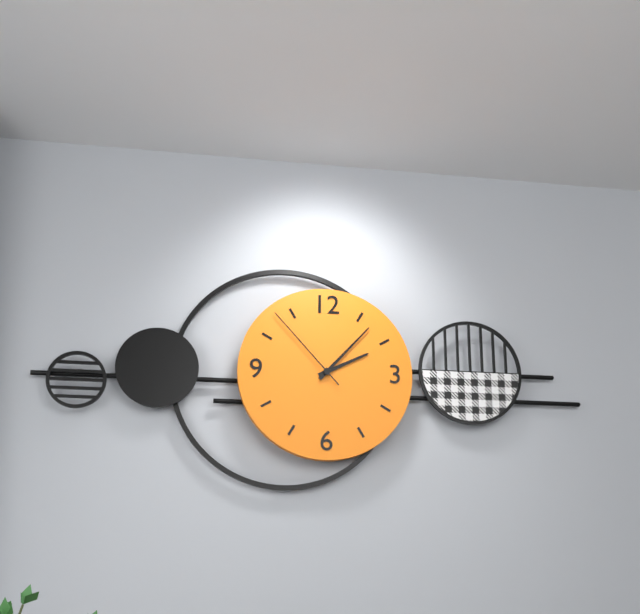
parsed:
**2:07:53**
